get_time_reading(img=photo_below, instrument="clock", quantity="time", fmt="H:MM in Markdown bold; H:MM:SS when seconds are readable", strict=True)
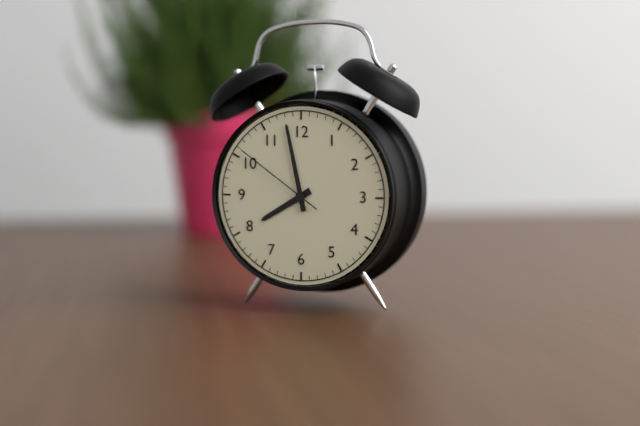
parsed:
**7:58:51**
